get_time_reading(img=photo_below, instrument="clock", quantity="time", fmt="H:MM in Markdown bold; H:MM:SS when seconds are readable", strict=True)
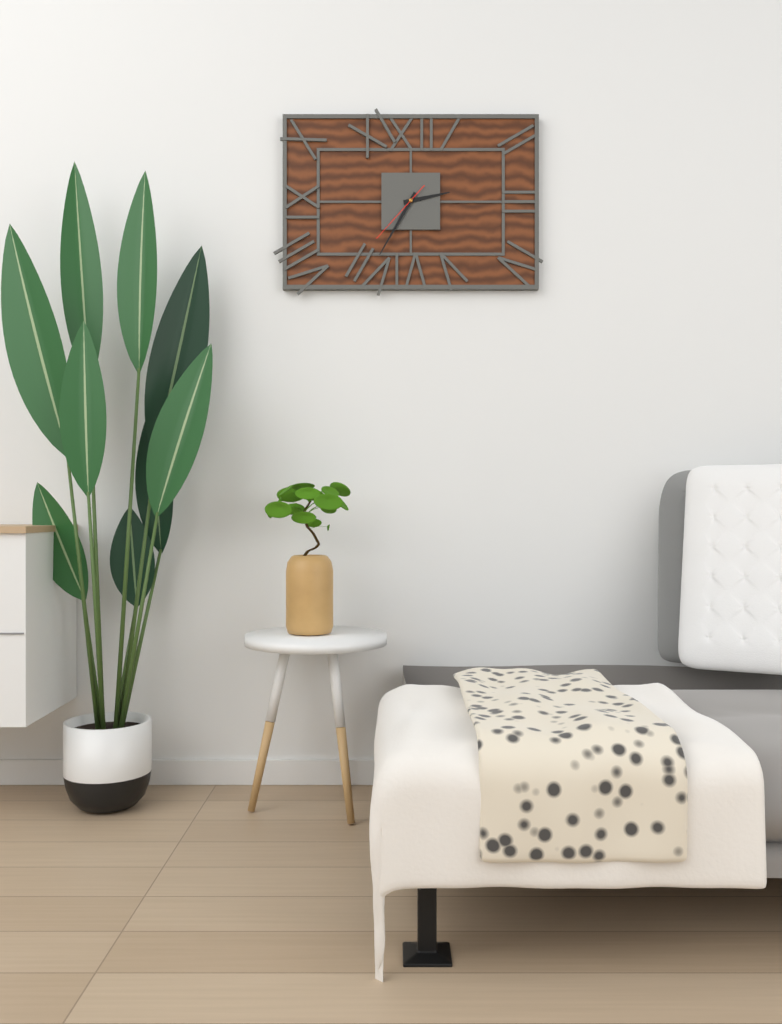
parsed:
**2:35:37**
